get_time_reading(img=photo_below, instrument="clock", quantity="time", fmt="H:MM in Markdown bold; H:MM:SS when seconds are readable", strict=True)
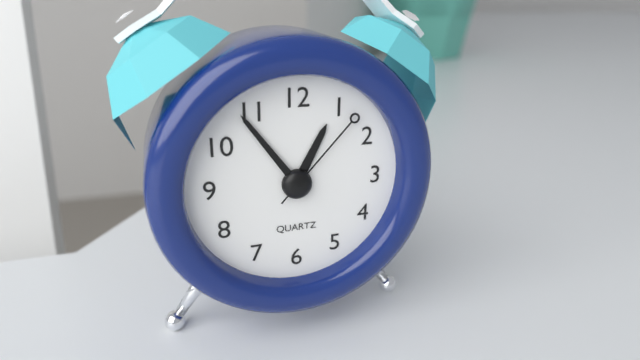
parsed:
**12:54:07**
